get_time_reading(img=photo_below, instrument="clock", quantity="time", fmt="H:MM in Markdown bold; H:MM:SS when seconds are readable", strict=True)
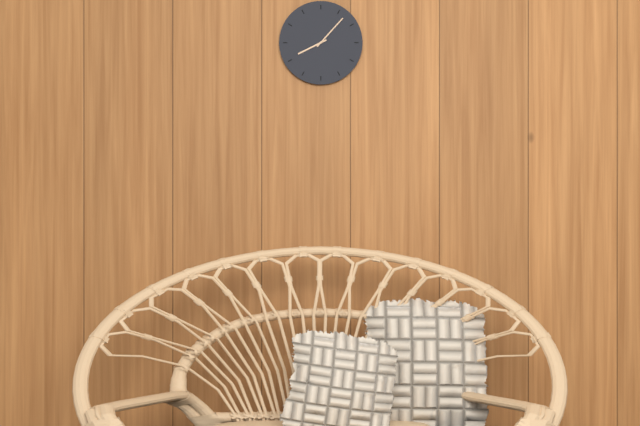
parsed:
**8:07**
